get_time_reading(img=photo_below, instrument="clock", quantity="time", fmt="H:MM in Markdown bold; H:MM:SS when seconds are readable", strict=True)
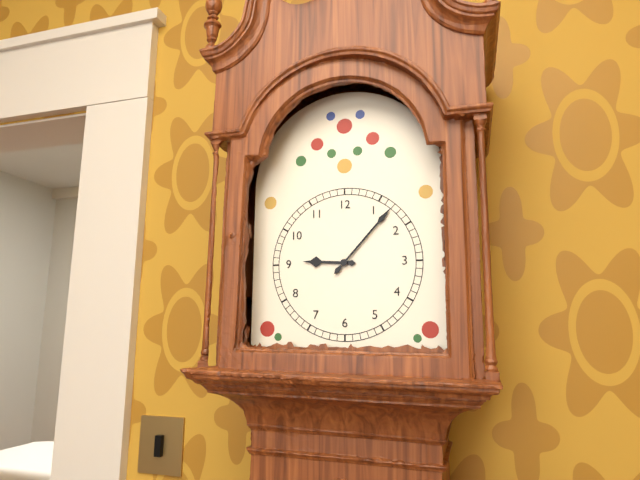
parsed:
**9:07**
